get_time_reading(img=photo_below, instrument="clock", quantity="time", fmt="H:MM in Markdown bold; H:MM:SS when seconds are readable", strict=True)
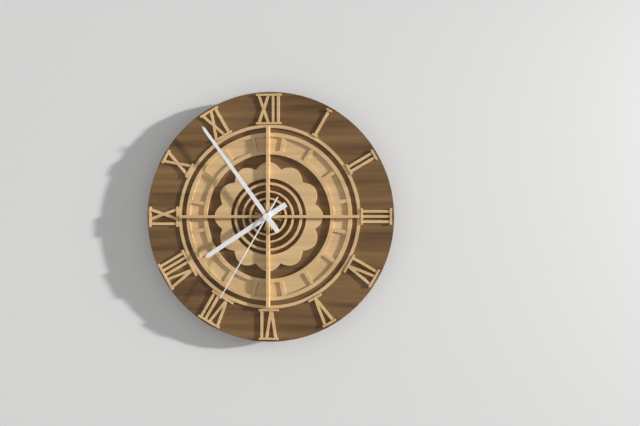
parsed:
**7:54:35**
